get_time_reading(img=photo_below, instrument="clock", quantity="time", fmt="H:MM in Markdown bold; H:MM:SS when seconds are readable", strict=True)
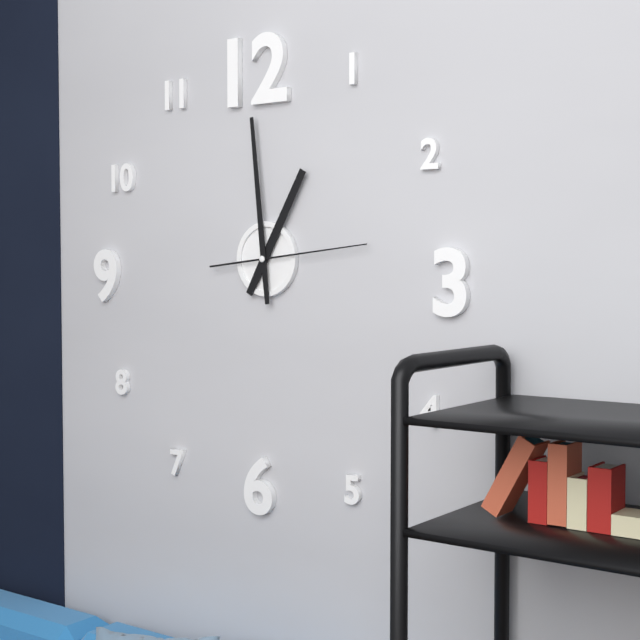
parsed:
**12:59:14**
